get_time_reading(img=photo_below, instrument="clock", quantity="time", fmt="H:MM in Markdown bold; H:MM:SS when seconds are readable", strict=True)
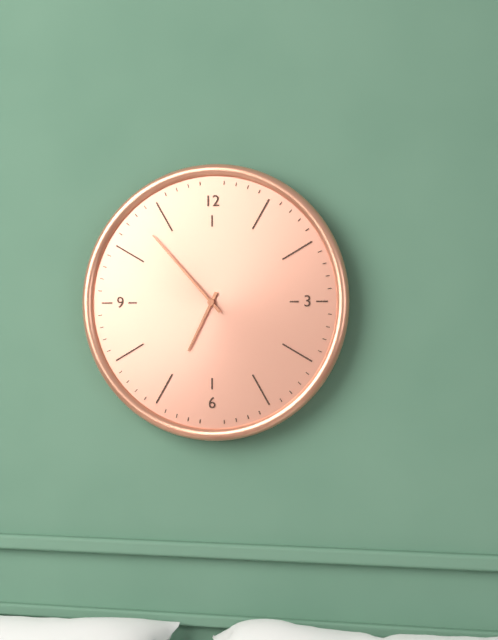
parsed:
**6:53**
